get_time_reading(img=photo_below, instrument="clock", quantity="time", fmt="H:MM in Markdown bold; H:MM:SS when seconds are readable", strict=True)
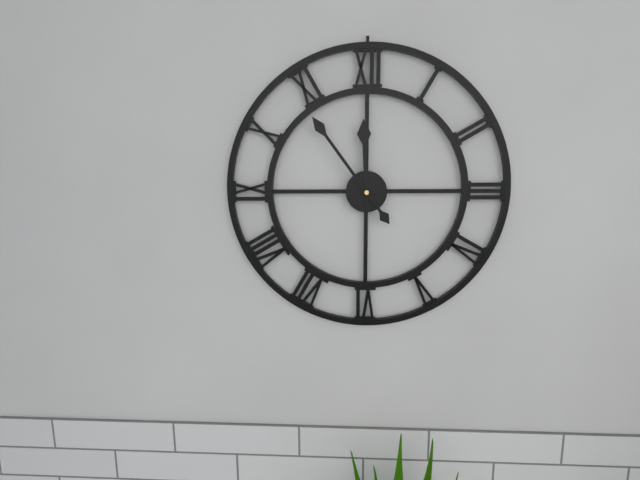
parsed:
**11:54**
